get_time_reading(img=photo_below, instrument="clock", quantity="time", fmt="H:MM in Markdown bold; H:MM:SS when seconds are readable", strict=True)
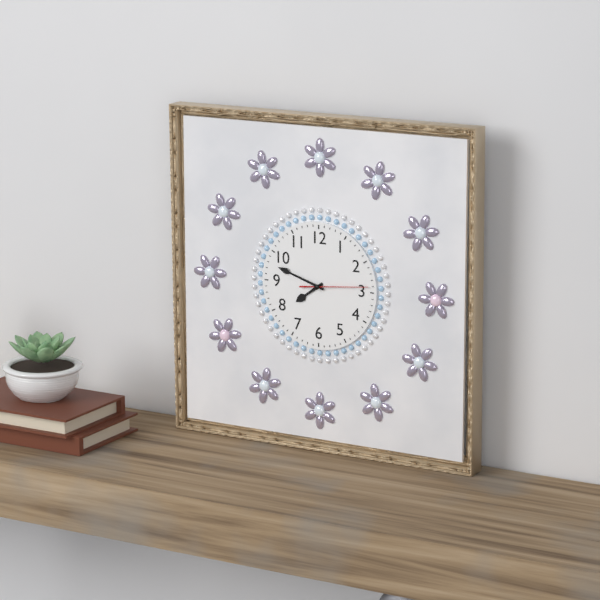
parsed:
**7:48:14**
